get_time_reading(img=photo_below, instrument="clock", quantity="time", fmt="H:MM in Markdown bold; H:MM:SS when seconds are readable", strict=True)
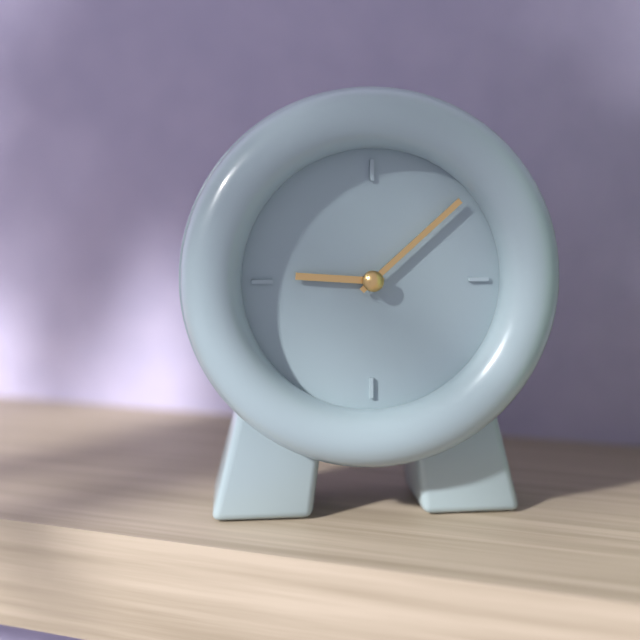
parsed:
**9:08**
